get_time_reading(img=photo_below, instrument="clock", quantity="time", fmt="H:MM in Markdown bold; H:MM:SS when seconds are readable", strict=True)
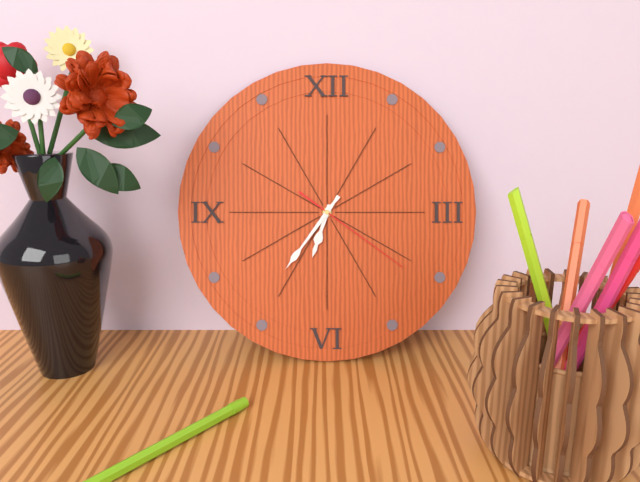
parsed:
**6:36:21**
